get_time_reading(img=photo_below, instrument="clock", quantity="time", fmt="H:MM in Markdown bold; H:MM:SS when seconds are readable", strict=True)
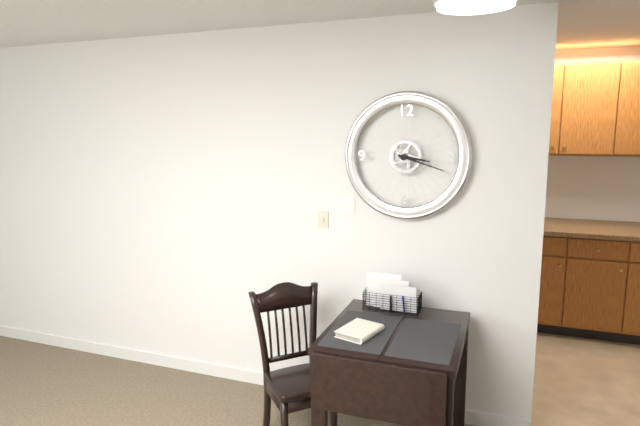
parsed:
**3:18**
